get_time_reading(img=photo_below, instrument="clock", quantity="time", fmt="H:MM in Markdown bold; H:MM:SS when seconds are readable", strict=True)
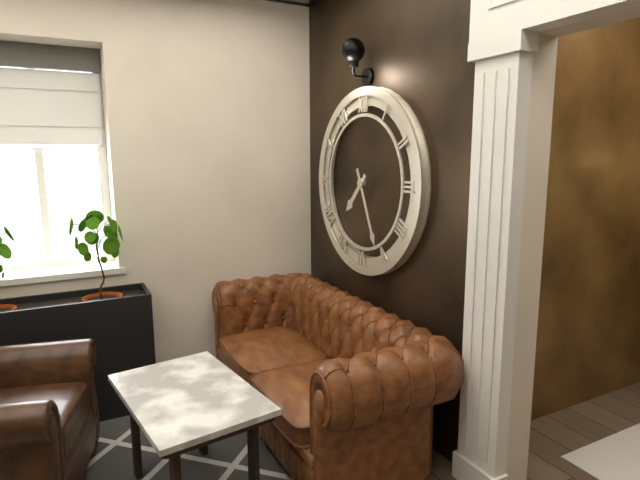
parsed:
**7:26**
